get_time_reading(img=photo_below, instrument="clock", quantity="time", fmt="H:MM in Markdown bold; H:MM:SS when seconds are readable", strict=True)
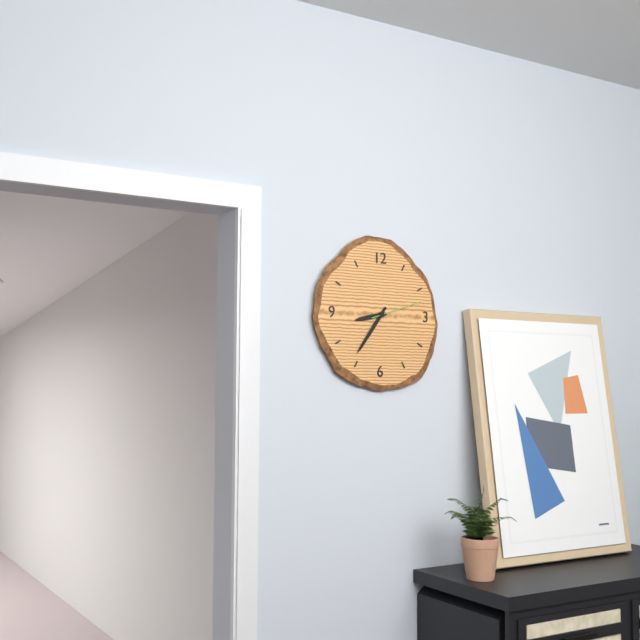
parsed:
**8:36:12**
